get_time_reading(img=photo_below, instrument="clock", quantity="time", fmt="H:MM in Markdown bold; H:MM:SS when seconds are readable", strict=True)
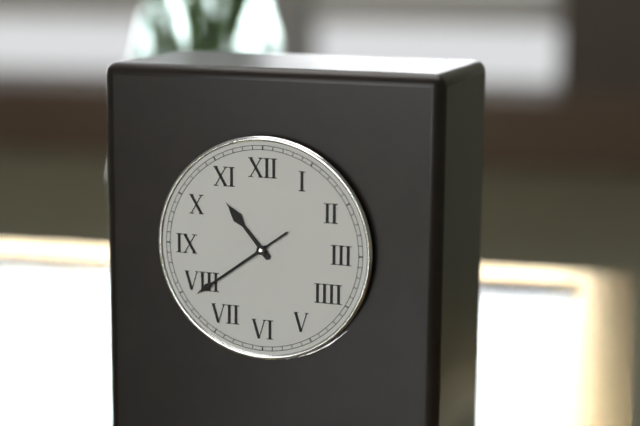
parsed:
**10:39**
